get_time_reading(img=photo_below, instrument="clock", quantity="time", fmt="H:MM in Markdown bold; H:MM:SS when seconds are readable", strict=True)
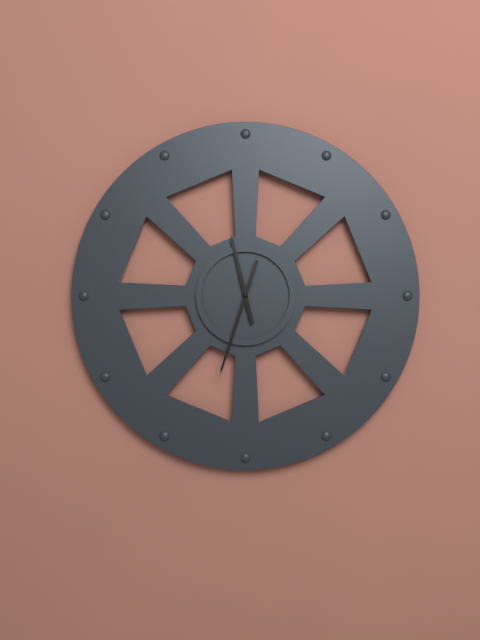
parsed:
**11:33**
